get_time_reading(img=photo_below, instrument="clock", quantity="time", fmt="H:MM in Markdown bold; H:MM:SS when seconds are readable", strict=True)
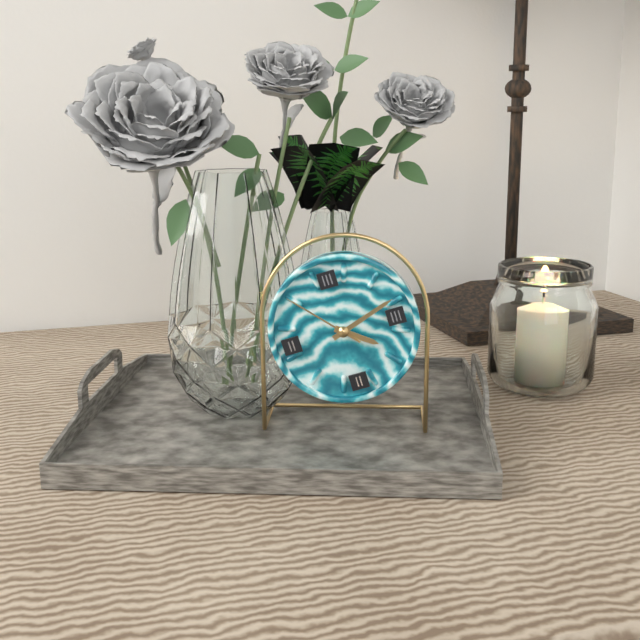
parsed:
**4:12:53**
